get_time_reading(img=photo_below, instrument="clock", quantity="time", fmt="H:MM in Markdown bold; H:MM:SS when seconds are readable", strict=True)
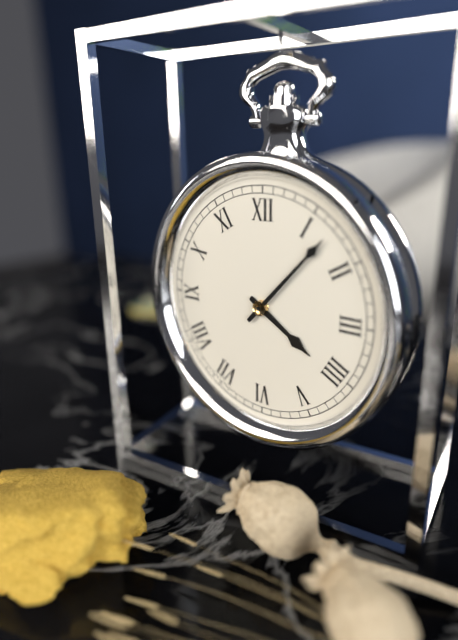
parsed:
**4:07**
